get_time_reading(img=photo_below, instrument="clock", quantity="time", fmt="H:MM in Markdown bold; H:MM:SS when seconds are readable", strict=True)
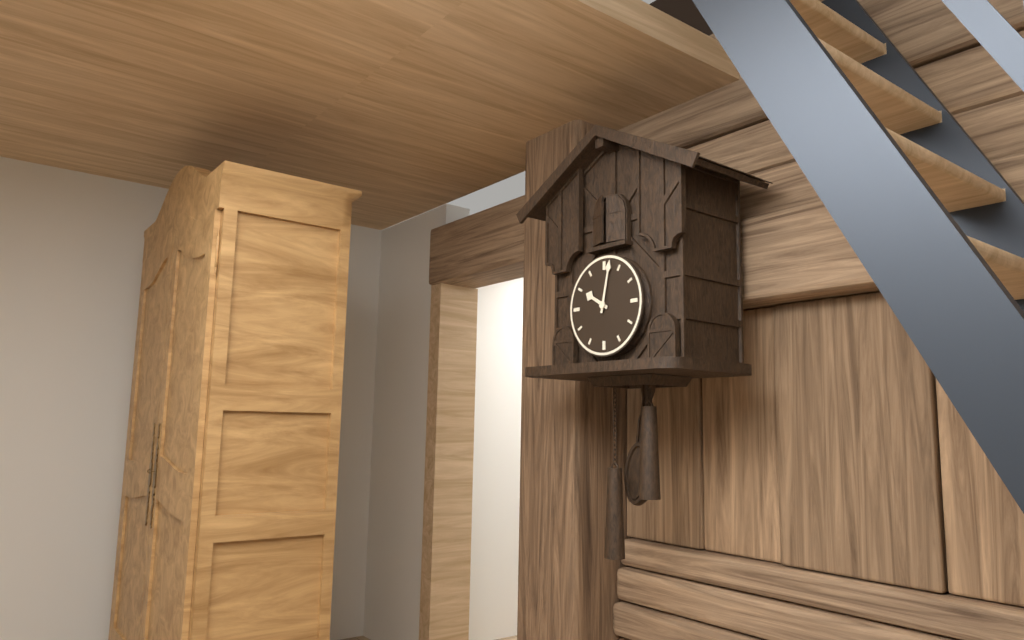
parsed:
**10:02**
